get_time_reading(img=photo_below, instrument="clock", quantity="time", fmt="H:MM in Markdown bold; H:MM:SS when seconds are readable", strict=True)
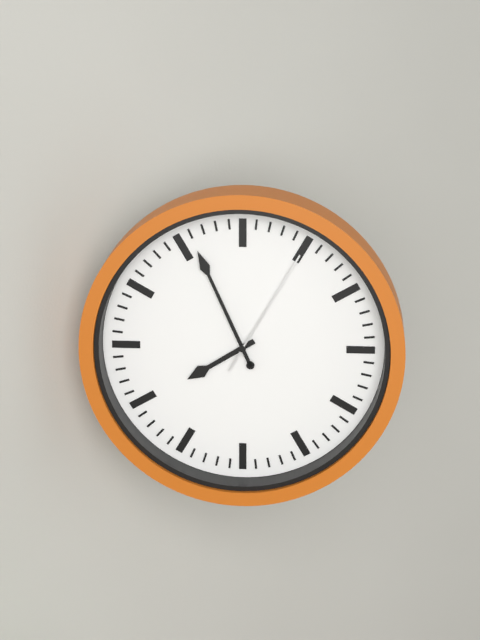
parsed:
**7:56:05**
